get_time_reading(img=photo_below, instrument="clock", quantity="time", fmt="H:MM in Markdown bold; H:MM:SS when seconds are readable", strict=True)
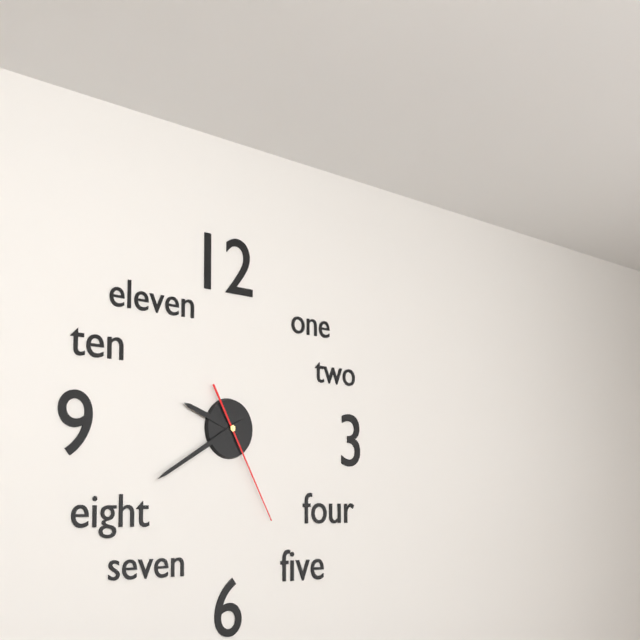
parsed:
**9:40:25**
